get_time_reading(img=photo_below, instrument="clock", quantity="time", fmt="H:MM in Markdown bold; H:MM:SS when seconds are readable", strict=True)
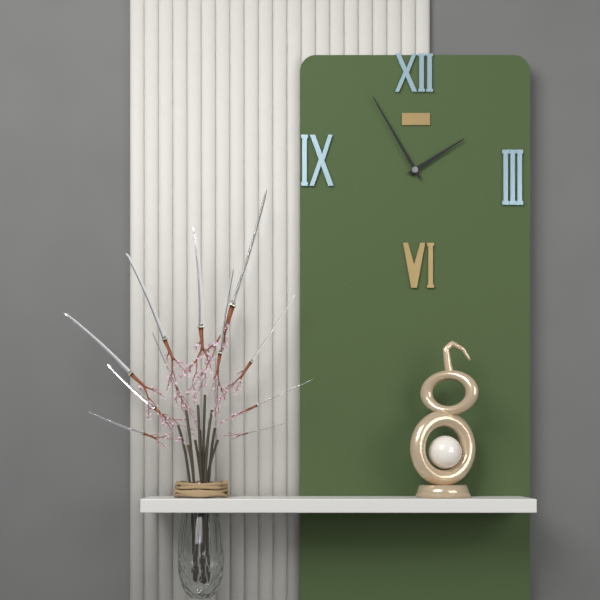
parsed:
**1:55**
